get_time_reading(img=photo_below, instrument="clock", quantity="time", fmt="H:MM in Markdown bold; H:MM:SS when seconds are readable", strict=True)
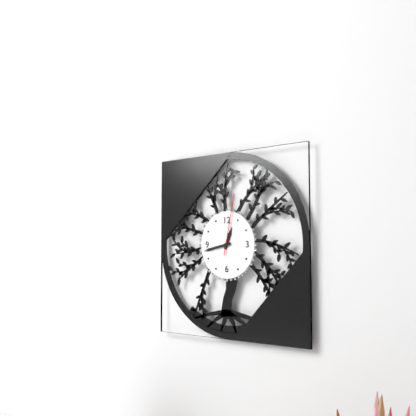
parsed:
**12:43:02**
